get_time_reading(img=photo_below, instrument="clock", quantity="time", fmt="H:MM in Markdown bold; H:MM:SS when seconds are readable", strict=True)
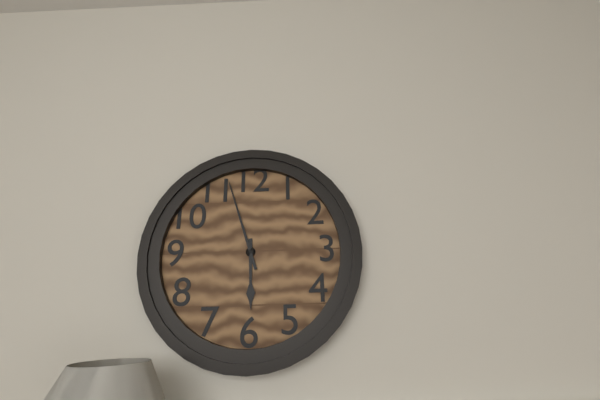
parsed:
**5:57**
